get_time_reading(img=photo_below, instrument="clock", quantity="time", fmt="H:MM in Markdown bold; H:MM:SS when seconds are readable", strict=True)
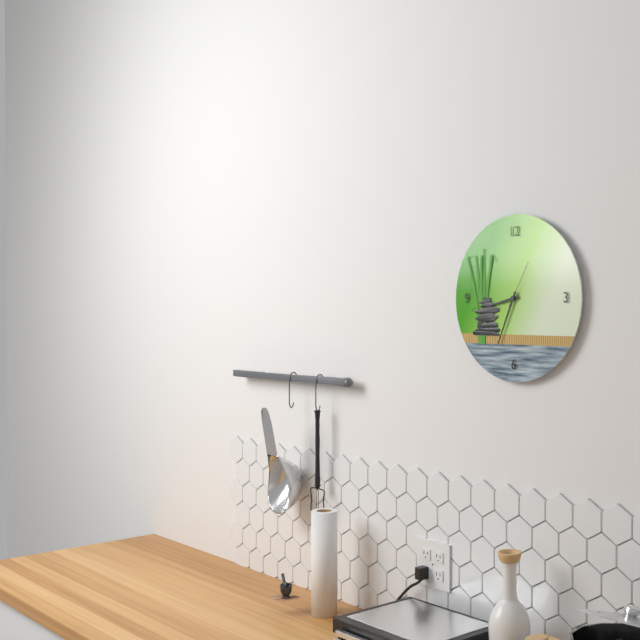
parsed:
**8:34**
